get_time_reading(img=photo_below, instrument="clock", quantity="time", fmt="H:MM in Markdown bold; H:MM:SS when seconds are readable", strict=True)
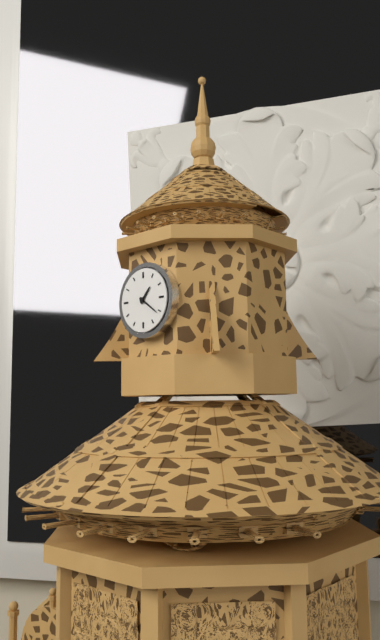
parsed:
**1:21**
